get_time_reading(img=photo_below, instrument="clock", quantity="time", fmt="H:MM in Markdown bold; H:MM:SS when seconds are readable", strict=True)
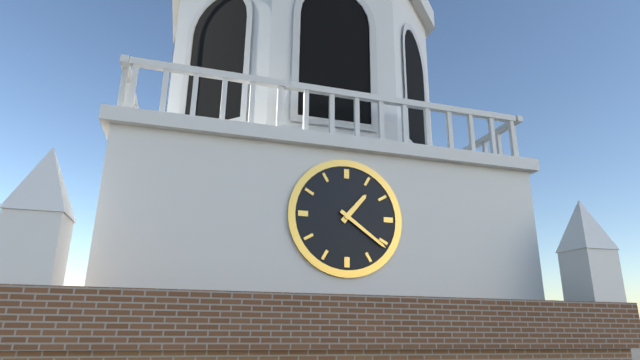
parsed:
**1:21**
